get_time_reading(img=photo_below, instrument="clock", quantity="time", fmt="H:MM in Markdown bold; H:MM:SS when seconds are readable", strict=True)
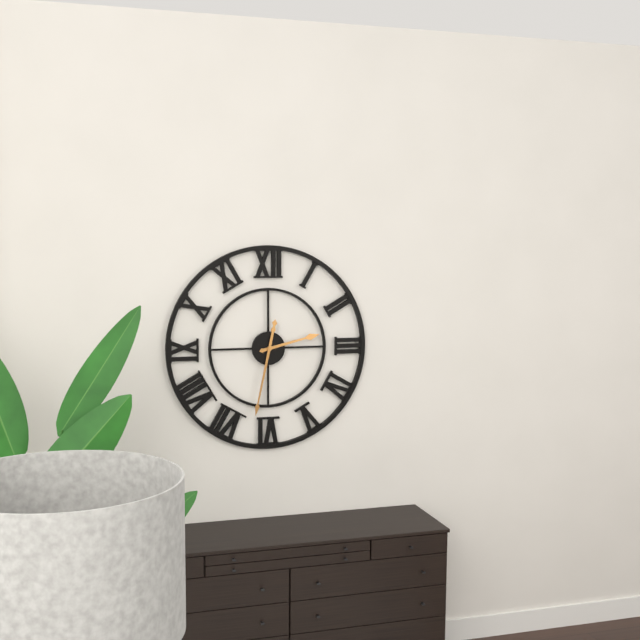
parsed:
**2:32**
